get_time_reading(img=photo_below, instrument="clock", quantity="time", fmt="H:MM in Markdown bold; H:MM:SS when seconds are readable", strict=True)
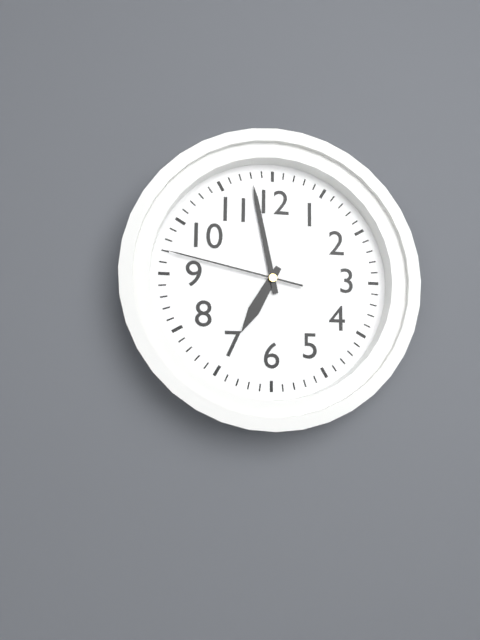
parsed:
**6:58:47**
